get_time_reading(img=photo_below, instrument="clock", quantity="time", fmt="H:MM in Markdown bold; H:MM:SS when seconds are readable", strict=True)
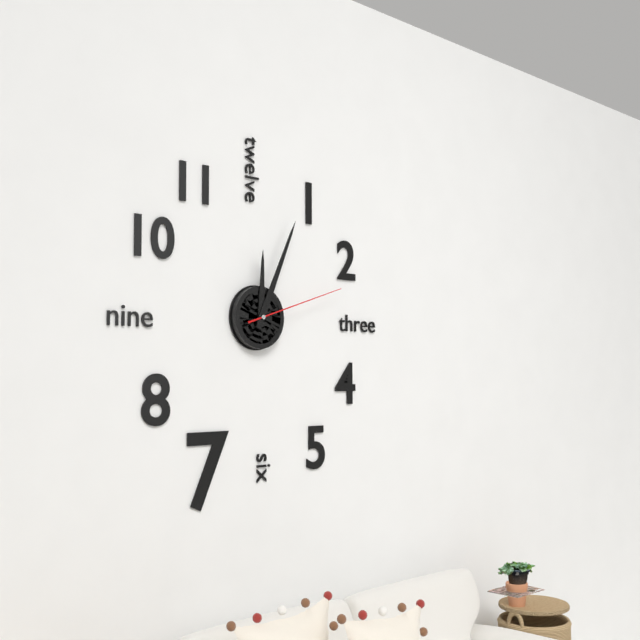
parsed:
**12:04:12**
